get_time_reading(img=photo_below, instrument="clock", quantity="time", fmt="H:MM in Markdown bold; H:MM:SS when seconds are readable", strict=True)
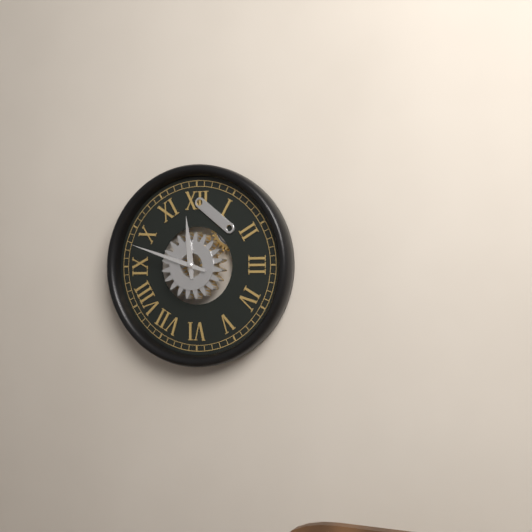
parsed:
**11:48**
